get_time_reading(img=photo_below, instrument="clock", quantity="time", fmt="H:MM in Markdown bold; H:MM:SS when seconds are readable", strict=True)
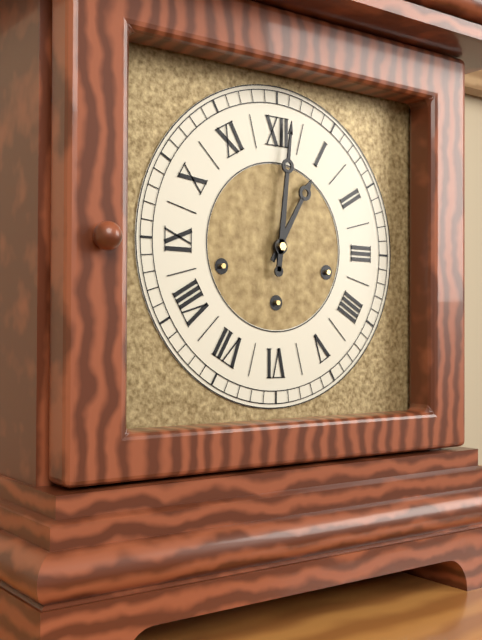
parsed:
**1:01**
